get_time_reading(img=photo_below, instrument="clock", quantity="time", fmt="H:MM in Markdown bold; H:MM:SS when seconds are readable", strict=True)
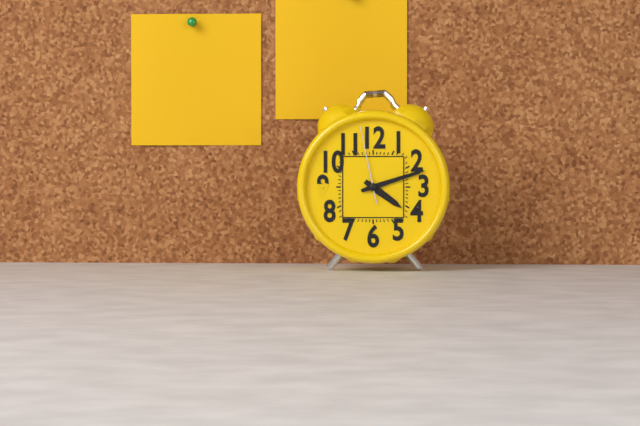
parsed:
**4:12:58**
